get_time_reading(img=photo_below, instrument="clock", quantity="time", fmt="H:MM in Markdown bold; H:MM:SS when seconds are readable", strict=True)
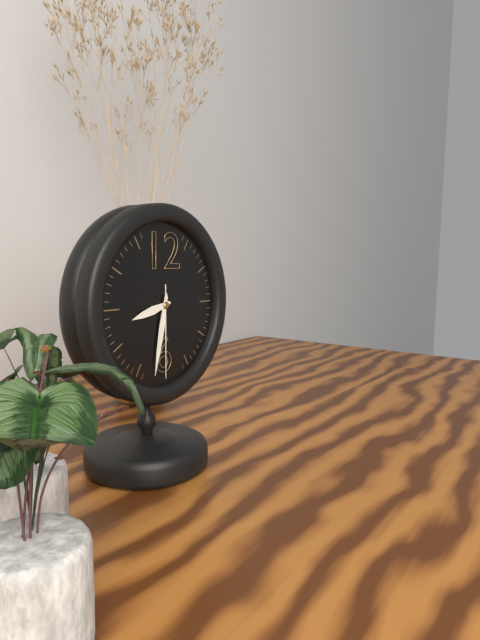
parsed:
**8:32:30**
